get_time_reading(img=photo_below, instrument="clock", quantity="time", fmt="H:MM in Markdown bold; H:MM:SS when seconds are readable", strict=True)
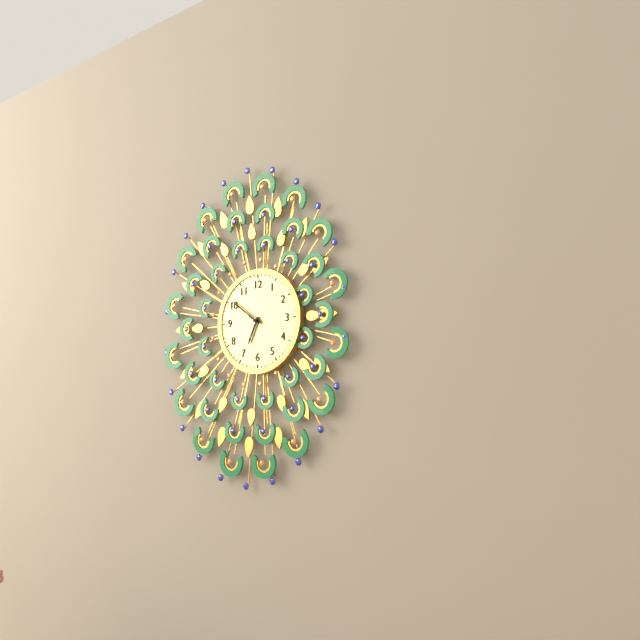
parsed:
**6:51:50**
